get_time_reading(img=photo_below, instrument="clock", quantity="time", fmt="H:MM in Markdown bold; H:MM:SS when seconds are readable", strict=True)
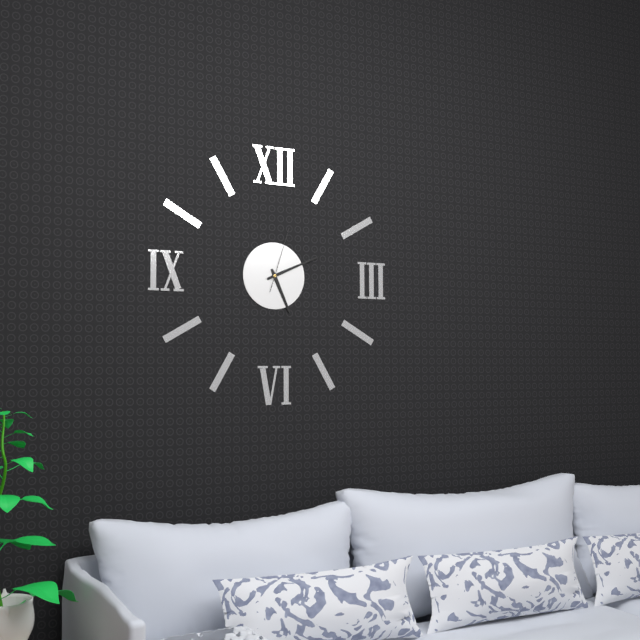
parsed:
**5:11:03**
